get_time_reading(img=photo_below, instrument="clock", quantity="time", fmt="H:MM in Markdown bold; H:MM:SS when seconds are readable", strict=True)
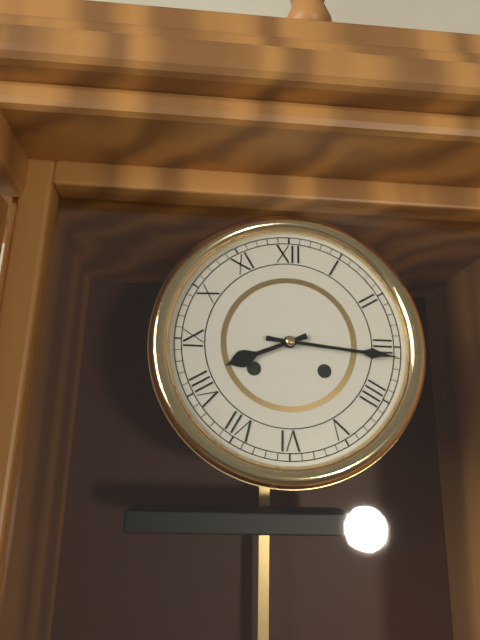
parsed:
**8:16**
